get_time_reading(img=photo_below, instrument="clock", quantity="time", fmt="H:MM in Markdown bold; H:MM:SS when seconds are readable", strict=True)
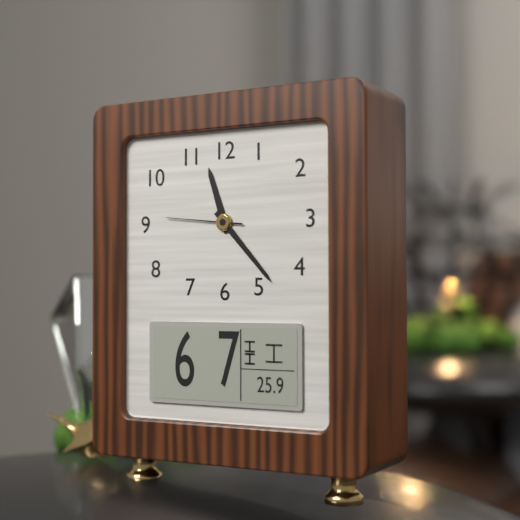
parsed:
**11:23:46**
